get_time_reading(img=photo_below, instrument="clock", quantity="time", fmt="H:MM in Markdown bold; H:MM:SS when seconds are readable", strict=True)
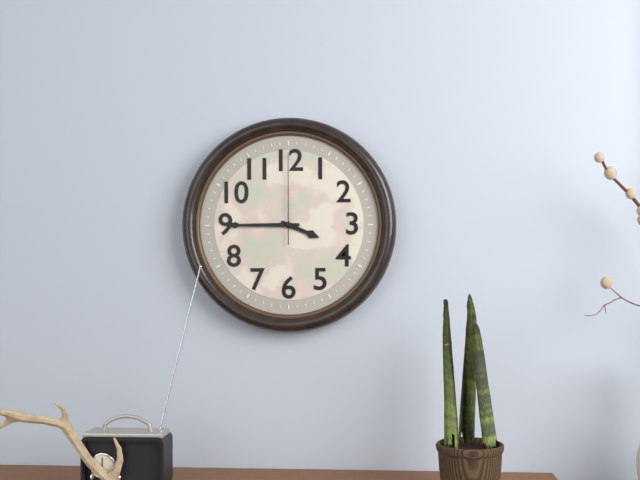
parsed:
**3:45:00**
